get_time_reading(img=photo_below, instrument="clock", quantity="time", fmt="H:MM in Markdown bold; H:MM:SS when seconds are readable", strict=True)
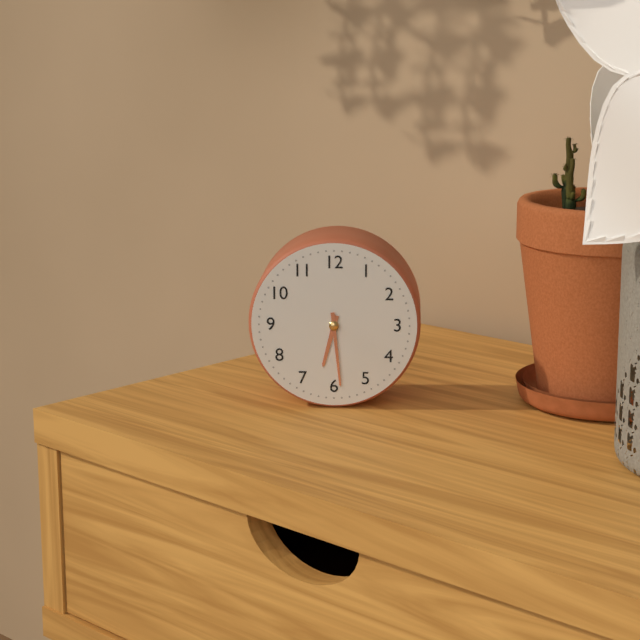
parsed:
**6:29**
